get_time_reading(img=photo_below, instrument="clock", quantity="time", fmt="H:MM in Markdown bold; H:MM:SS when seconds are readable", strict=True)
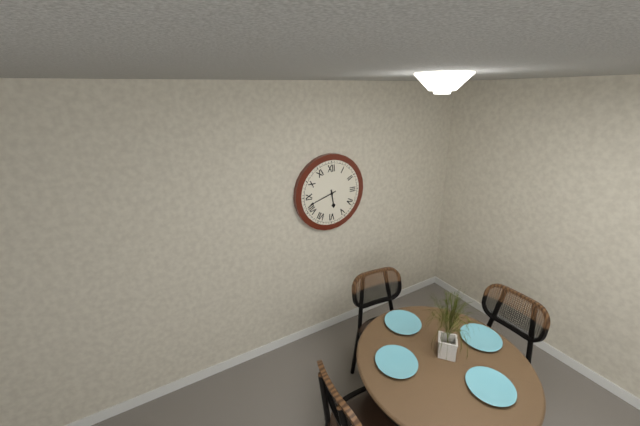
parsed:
**5:42**
